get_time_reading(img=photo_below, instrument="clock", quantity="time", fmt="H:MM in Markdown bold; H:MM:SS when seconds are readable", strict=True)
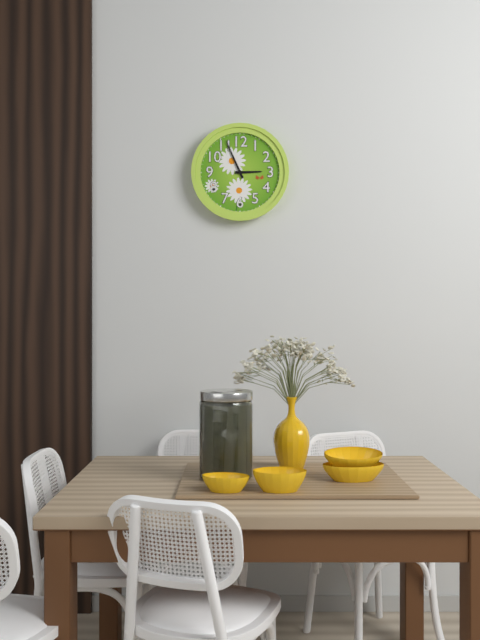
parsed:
**2:56**
